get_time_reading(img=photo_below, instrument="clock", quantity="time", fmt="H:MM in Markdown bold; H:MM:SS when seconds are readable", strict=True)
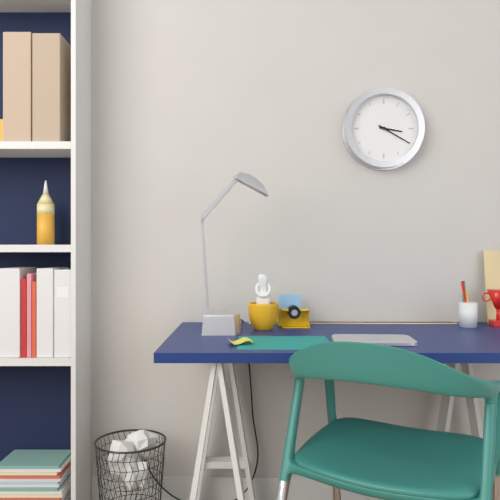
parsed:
**3:20**
